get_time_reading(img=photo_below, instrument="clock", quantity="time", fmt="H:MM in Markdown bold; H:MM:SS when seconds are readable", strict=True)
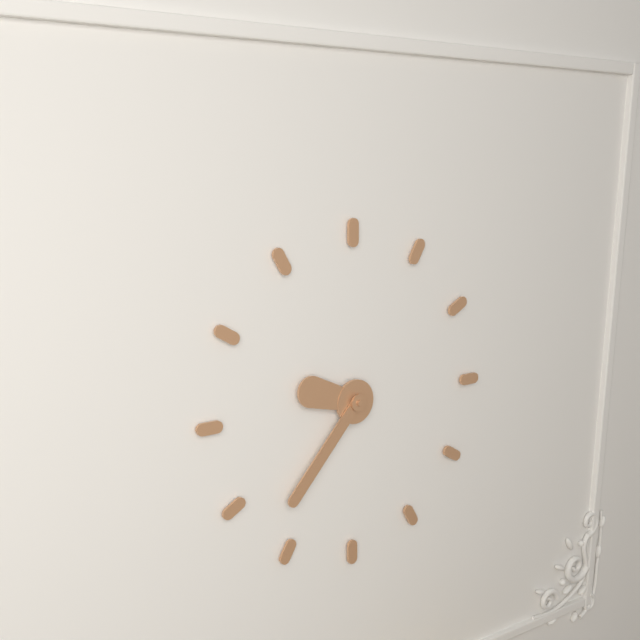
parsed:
**9:37**
